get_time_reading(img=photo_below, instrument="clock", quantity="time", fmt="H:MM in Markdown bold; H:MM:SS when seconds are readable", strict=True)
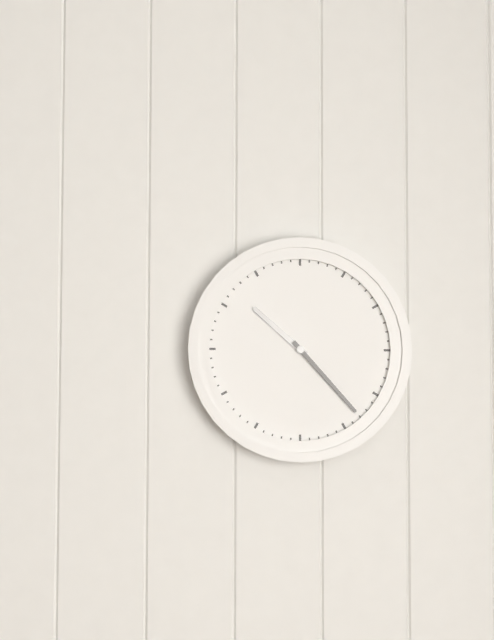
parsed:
**10:23**
